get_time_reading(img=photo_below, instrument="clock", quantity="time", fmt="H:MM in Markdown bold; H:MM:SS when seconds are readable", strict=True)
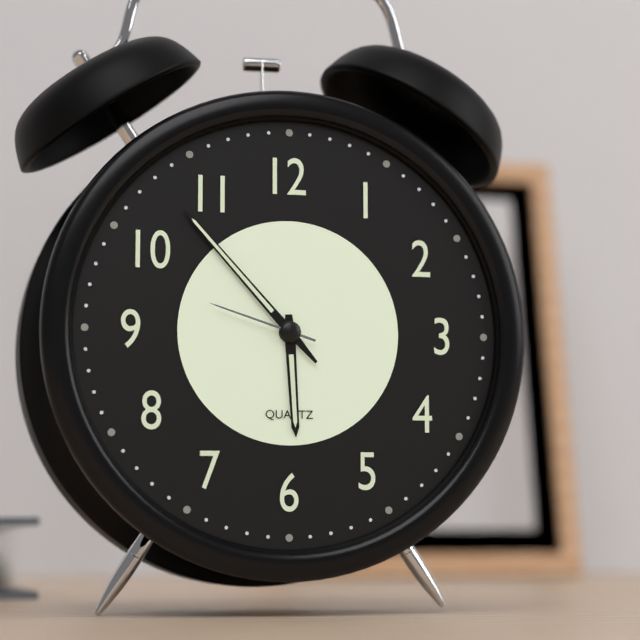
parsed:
**5:53:48**
